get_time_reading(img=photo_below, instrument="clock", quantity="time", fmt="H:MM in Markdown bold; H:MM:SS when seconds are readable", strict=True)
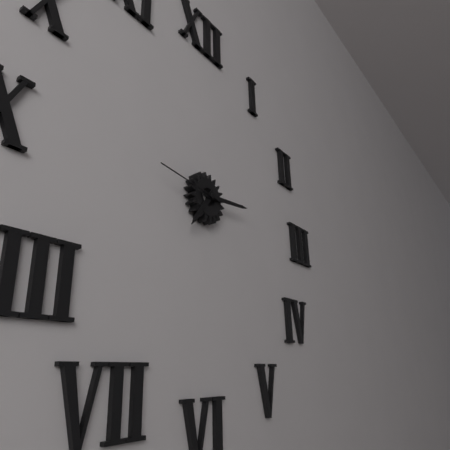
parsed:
**7:14:46**
